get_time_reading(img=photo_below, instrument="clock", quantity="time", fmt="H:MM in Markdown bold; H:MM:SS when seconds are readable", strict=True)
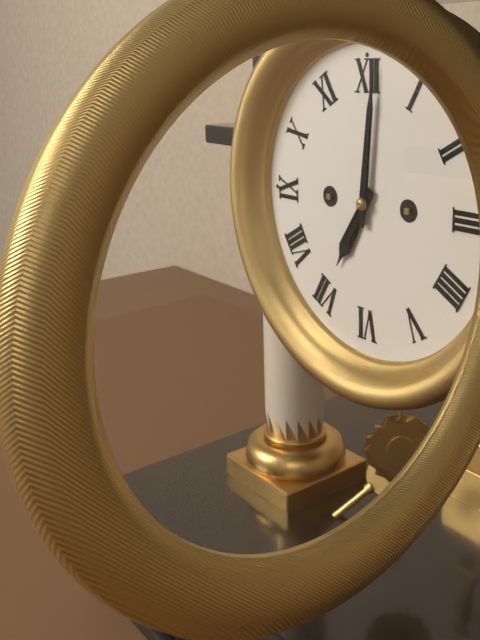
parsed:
**7:01**
